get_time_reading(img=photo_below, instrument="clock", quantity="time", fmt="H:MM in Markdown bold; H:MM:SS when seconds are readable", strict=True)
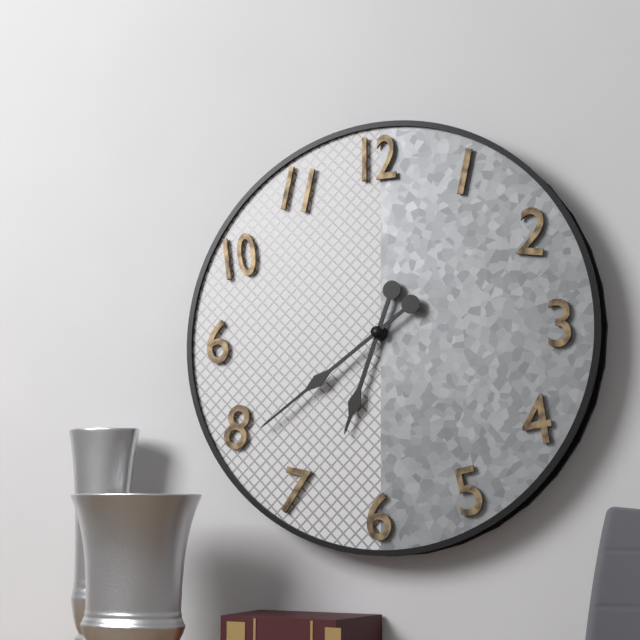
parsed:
**6:39**
